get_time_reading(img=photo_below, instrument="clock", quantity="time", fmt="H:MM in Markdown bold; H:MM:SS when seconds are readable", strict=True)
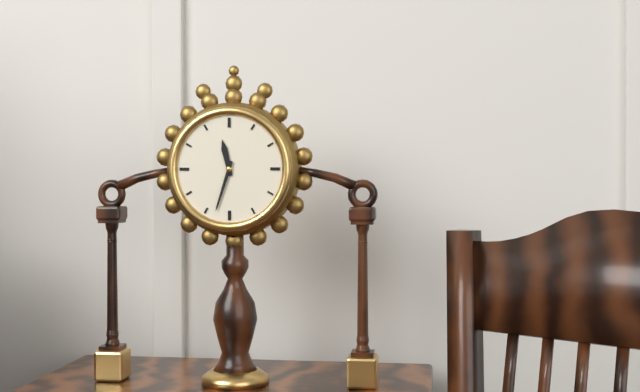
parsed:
**11:33**
